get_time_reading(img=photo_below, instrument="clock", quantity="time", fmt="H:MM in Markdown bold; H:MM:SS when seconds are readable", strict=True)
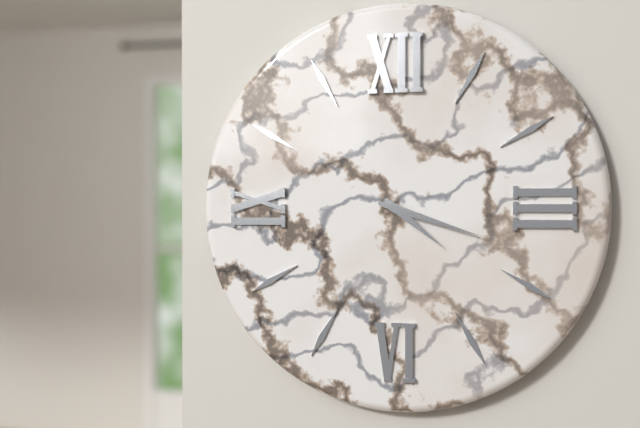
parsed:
**4:18**
